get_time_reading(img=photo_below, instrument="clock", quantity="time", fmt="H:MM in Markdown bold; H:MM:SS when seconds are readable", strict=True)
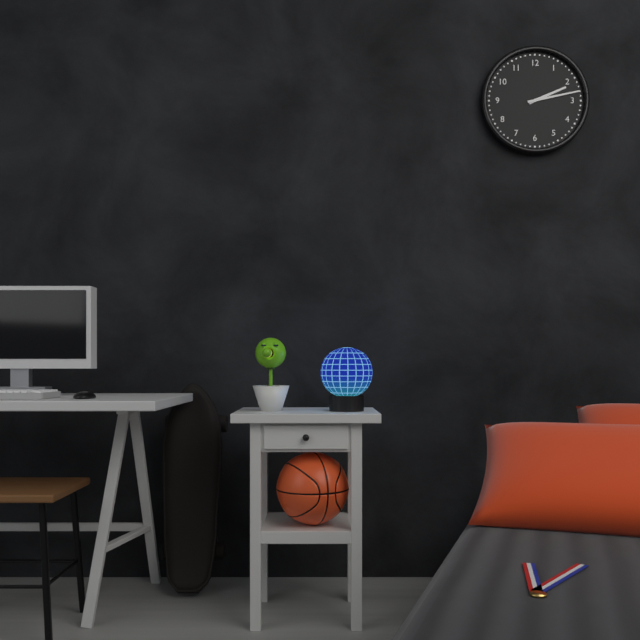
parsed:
**2:13**
